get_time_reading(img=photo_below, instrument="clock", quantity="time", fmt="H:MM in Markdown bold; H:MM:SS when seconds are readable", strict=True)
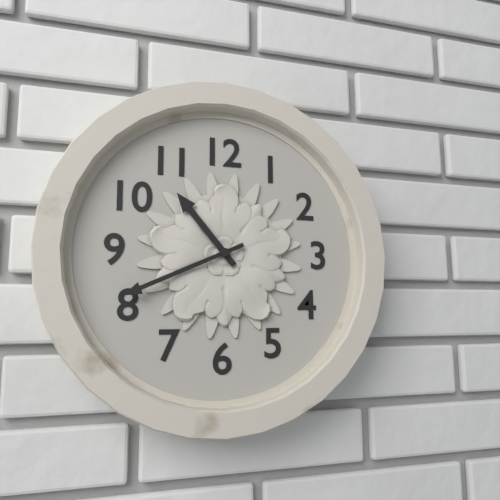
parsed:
**10:41**
